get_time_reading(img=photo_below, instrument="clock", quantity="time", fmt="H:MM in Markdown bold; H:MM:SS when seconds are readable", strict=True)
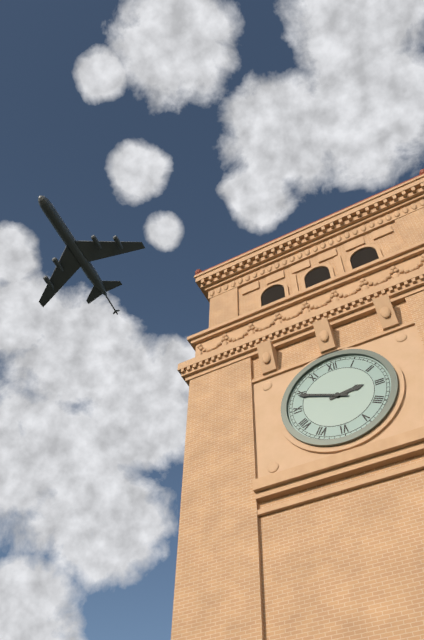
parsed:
**2:49**
